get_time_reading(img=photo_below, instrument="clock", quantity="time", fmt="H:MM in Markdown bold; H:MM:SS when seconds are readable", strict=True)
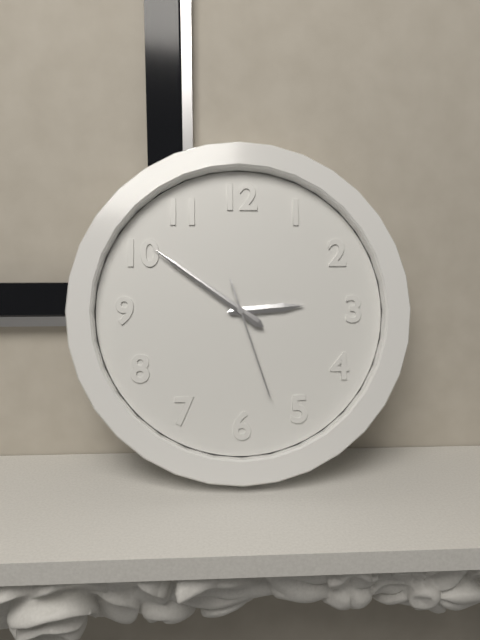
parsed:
**2:51:27**
